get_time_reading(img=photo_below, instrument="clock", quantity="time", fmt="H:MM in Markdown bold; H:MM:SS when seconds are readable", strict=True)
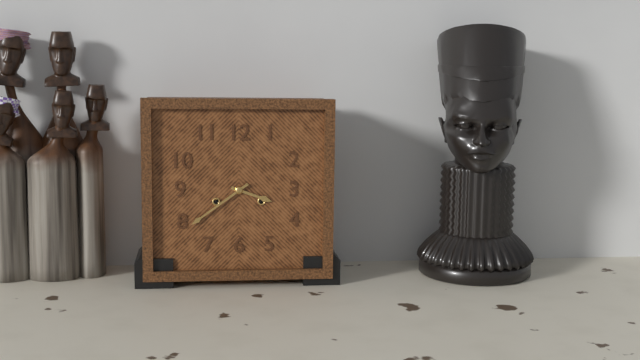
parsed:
**3:39**
